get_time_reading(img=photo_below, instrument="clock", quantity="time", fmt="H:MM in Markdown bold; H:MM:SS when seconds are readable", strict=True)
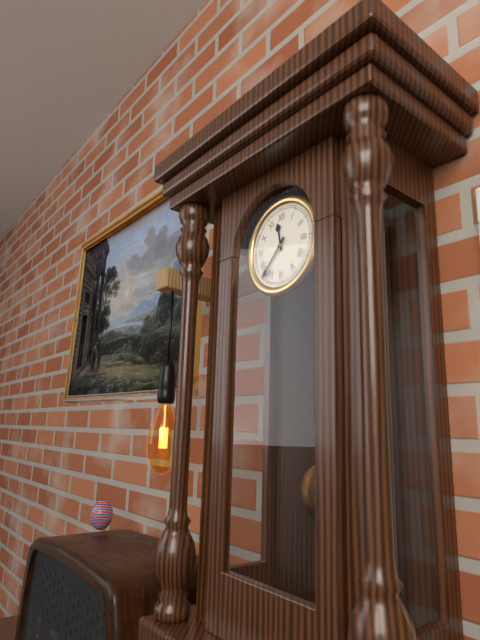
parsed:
**11:37**
